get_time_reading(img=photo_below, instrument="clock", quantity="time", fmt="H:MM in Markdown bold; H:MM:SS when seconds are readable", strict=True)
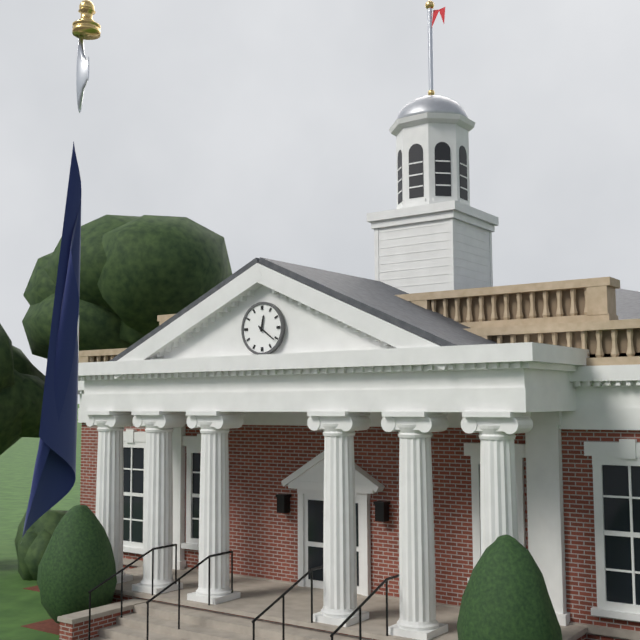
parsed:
**12:21**
